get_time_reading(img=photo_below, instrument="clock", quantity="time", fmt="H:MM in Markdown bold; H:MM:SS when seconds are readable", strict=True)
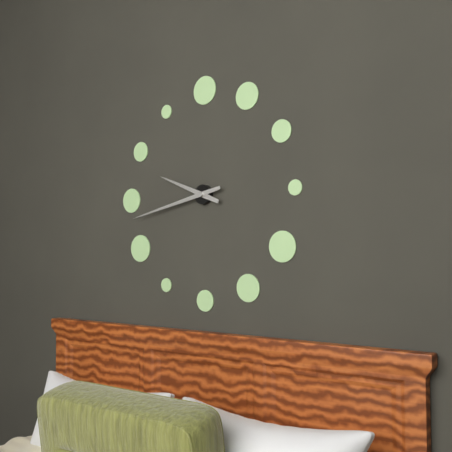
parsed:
**9:43**
